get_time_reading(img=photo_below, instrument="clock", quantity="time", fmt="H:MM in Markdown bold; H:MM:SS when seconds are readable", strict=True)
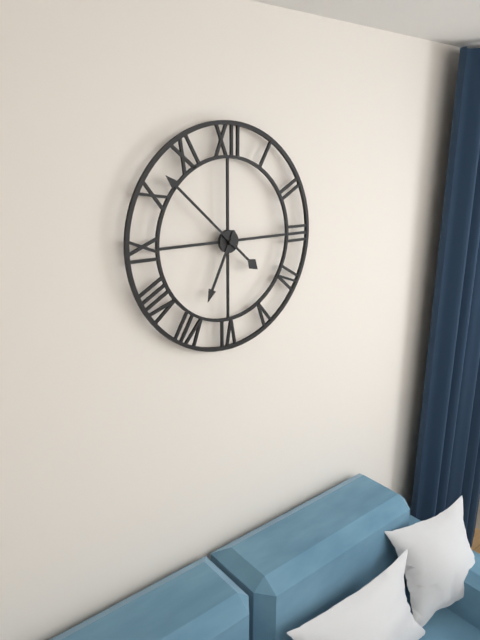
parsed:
**6:52**
